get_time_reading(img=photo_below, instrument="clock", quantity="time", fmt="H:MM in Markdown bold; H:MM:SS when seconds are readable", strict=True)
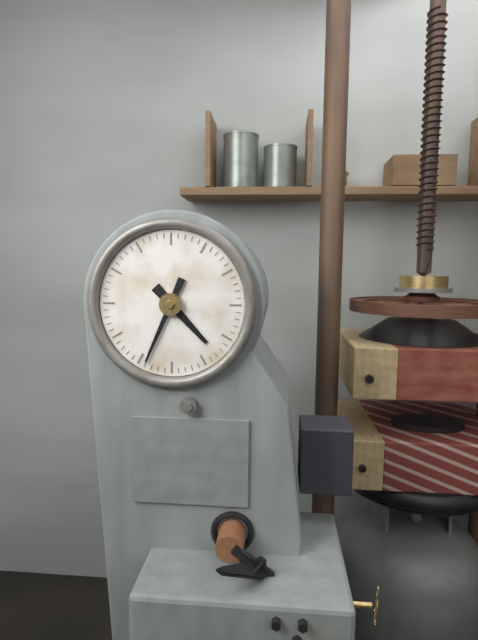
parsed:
**4:34**
